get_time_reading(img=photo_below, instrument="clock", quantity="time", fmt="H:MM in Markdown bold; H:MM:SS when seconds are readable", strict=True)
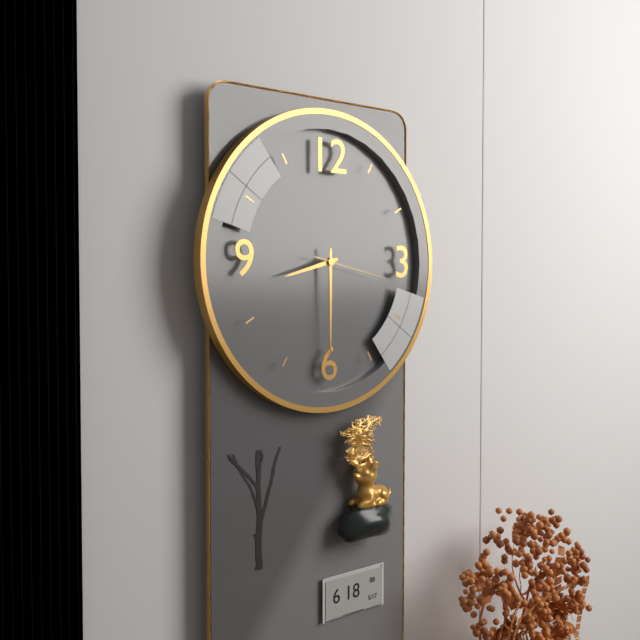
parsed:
**8:30:17**
